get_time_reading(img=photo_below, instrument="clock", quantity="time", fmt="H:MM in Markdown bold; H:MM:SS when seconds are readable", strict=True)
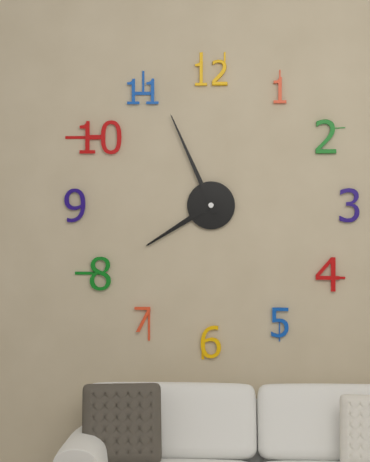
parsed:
**7:56**
